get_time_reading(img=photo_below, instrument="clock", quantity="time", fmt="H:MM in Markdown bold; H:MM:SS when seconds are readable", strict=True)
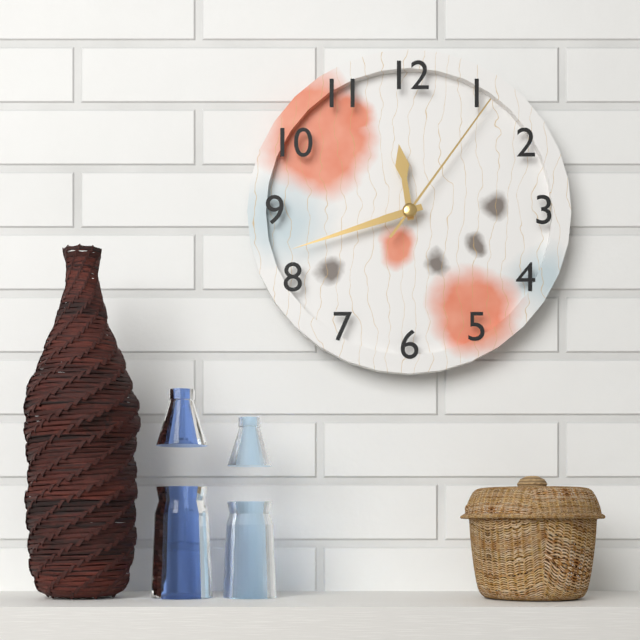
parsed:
**11:42:06**
